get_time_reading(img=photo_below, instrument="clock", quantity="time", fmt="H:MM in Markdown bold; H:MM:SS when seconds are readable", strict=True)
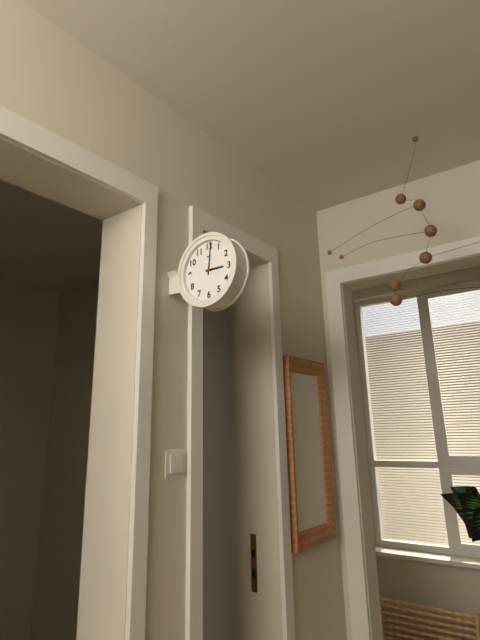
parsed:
**3:01**
